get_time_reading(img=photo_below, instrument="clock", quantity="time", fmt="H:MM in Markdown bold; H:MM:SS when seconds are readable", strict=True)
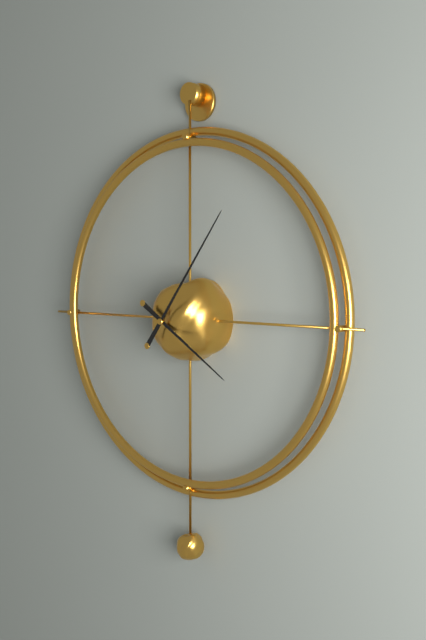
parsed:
**4:06**
